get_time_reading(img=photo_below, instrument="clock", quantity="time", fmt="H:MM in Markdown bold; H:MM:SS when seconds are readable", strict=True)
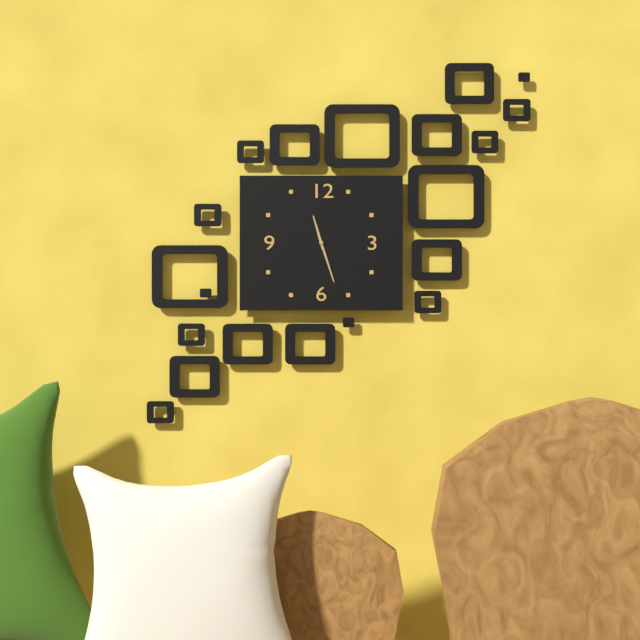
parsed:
**11:27**
